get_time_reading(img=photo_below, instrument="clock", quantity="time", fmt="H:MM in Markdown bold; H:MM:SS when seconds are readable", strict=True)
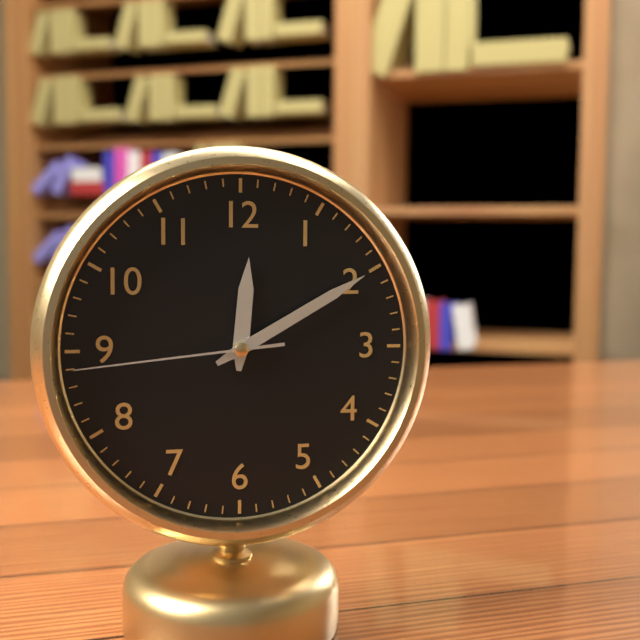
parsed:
**12:10:44**
